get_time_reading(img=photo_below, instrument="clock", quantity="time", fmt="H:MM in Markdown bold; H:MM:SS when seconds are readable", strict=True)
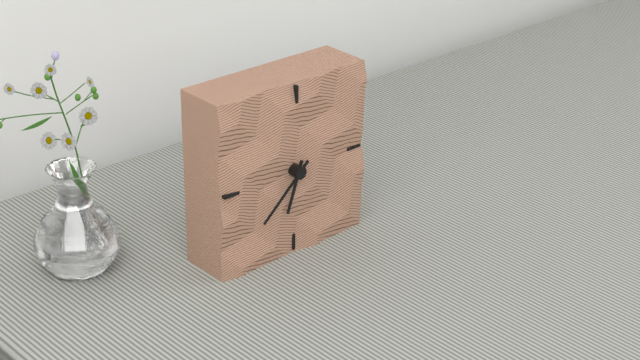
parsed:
**6:38**
